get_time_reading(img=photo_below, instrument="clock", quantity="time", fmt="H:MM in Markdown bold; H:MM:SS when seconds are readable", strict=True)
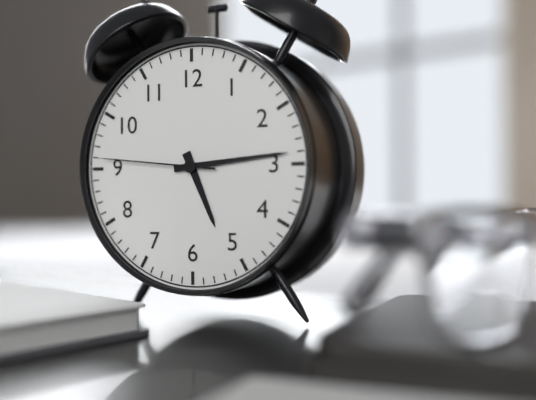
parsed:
**5:14:46**
